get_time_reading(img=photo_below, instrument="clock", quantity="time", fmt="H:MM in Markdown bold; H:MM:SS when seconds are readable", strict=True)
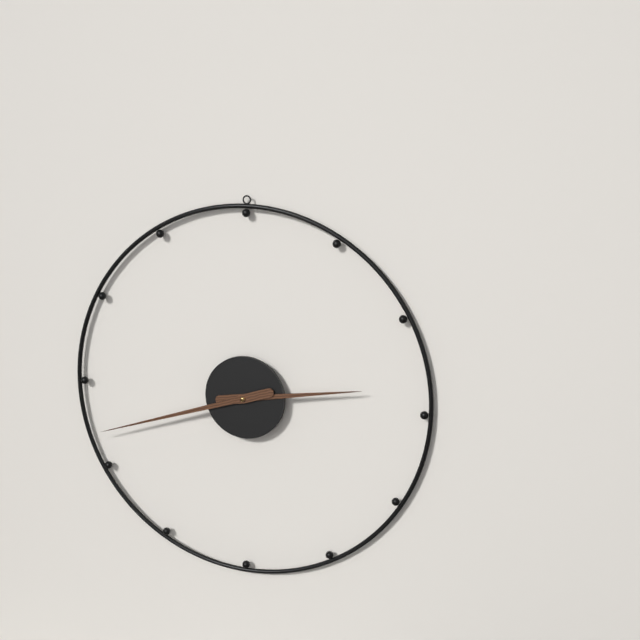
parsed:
**2:42**
